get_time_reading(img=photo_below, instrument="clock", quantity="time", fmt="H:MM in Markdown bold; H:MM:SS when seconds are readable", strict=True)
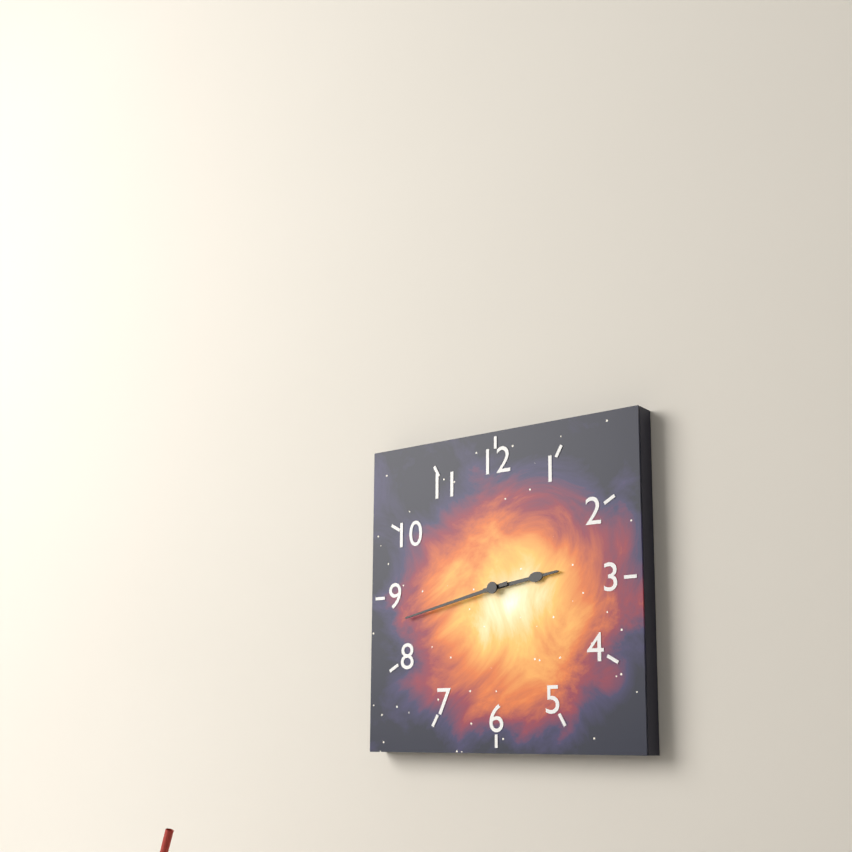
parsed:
**2:43**
